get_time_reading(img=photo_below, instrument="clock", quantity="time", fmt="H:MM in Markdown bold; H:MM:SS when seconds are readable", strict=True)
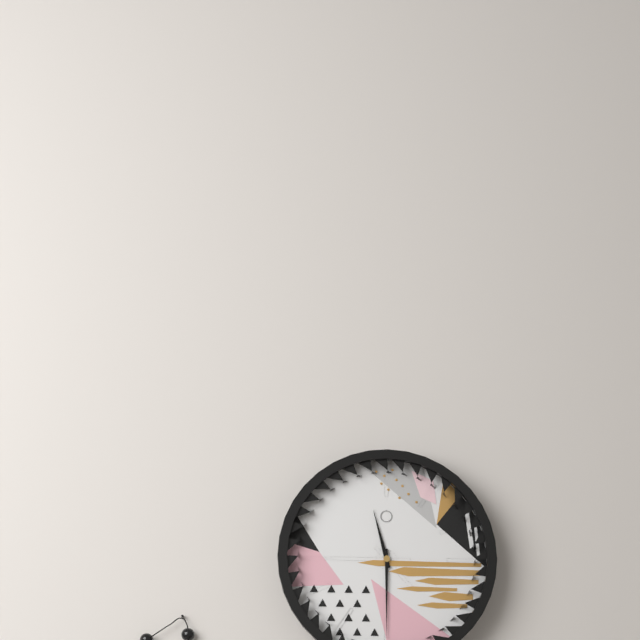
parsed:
**11:30**
